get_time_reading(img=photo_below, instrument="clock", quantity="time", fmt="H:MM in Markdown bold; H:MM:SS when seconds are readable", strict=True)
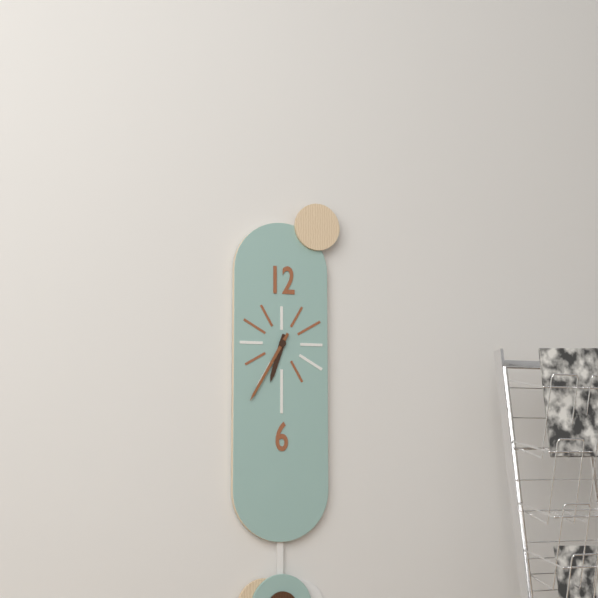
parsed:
**6:35**
